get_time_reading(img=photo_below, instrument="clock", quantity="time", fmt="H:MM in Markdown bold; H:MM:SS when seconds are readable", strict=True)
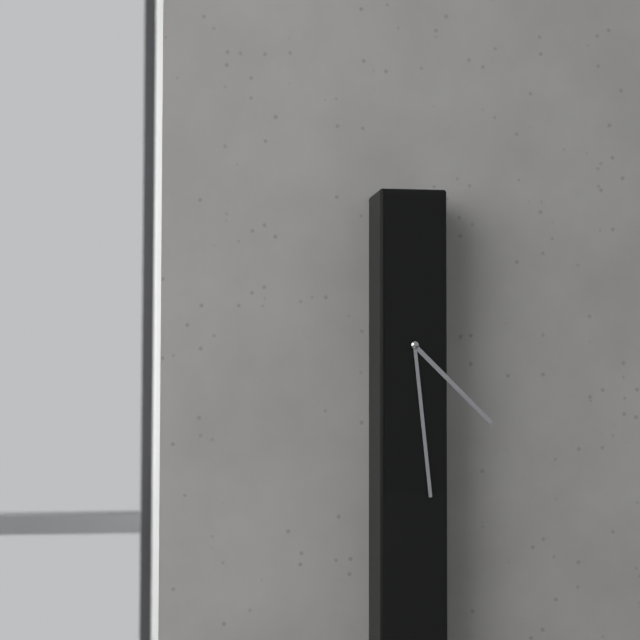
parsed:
**4:29**
